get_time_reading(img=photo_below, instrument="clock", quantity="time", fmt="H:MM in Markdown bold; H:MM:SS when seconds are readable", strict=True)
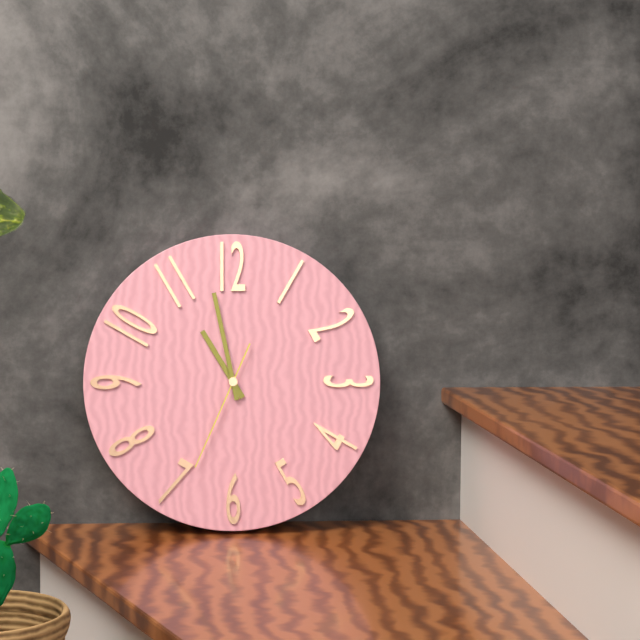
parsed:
**10:58:34**
